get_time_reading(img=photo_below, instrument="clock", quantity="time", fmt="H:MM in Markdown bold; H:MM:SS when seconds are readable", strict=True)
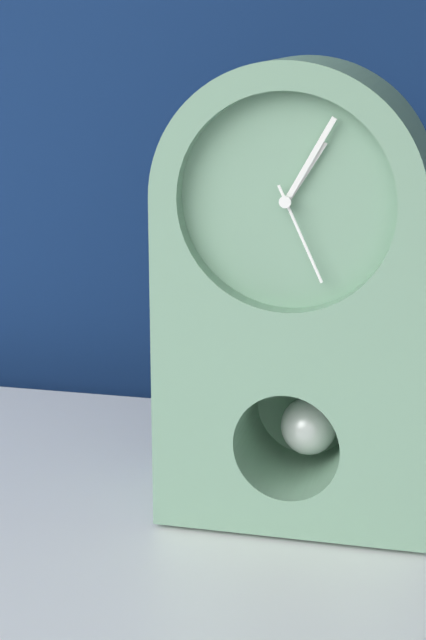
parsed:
**1:05:26**
